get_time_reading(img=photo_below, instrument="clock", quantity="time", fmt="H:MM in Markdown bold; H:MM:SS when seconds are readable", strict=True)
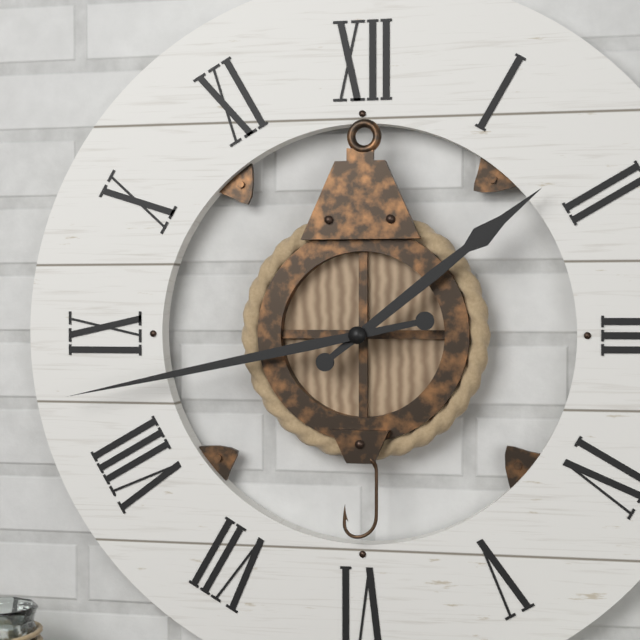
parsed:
**1:43**
